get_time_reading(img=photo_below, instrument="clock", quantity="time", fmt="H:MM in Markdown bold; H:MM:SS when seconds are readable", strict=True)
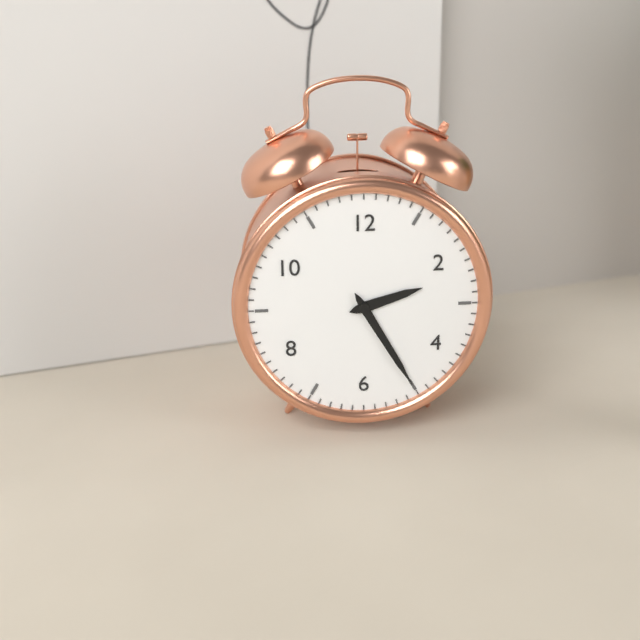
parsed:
**2:25**
